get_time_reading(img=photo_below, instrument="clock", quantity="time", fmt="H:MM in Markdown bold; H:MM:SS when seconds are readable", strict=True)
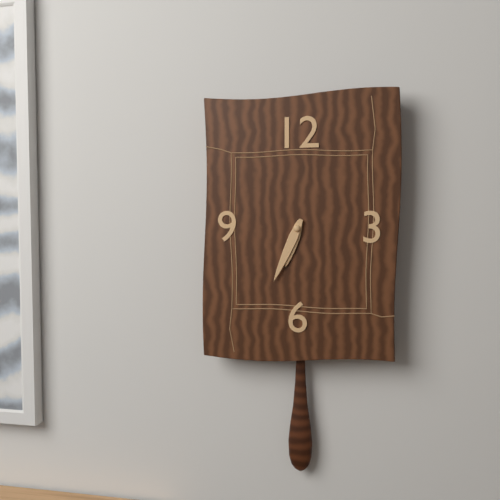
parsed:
**6:34**
